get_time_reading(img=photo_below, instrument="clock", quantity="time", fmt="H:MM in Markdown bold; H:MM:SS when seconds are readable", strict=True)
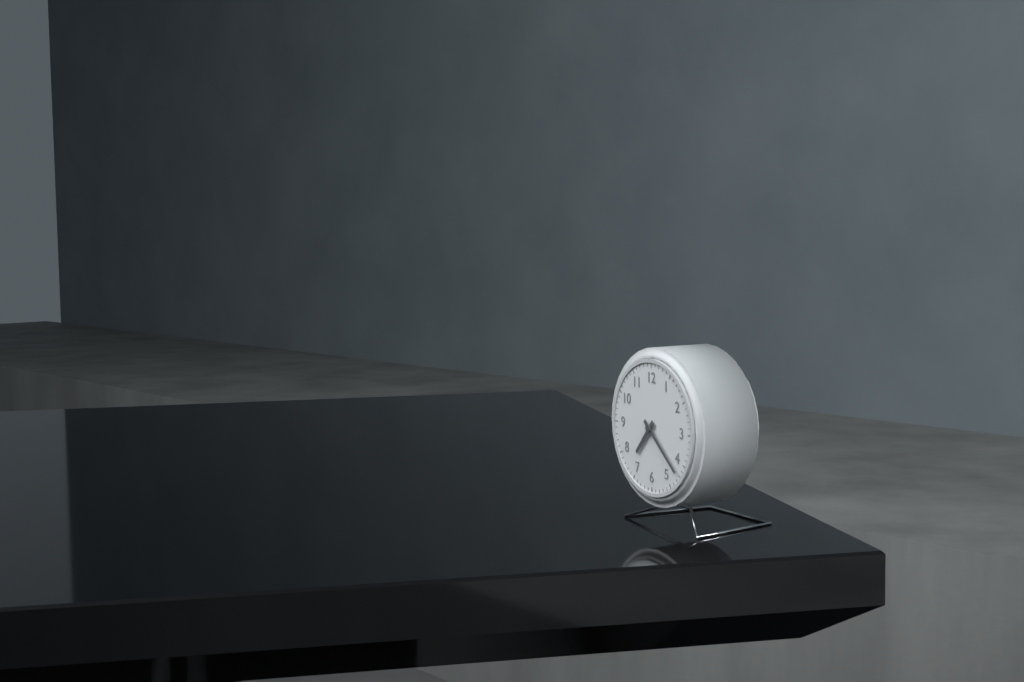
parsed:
**7:22**
